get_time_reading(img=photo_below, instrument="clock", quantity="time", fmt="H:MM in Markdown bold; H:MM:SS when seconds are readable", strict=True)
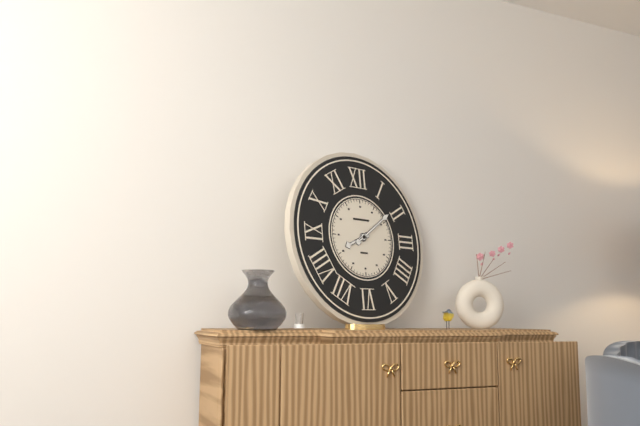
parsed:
**8:09**
